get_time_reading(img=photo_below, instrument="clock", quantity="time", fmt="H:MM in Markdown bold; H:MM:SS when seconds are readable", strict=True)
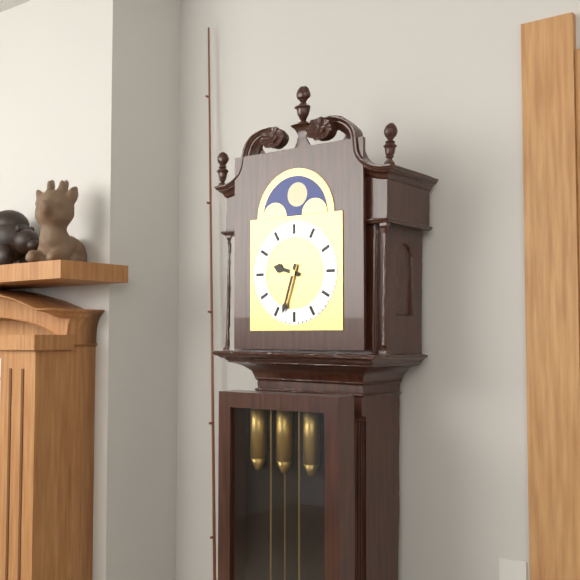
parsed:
**9:33**
